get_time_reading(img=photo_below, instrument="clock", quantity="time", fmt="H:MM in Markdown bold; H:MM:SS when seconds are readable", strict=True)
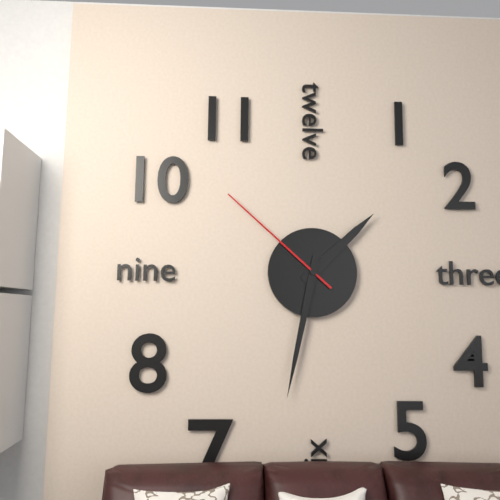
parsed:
**1:32:52**
